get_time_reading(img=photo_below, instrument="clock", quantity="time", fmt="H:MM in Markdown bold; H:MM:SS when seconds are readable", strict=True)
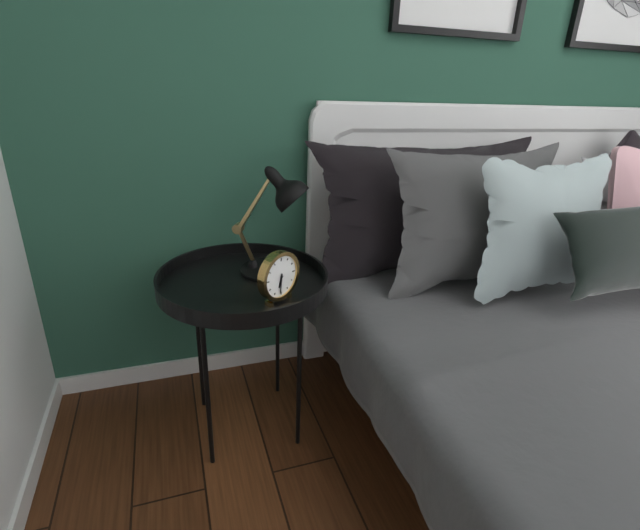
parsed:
**6:31**
